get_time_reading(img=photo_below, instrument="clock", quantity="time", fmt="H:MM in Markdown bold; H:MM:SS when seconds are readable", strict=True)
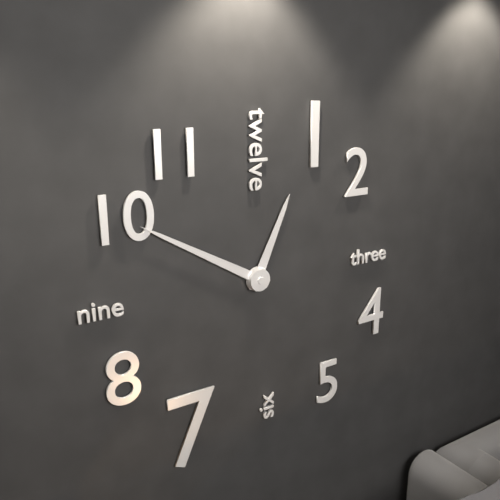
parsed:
**12:50**
